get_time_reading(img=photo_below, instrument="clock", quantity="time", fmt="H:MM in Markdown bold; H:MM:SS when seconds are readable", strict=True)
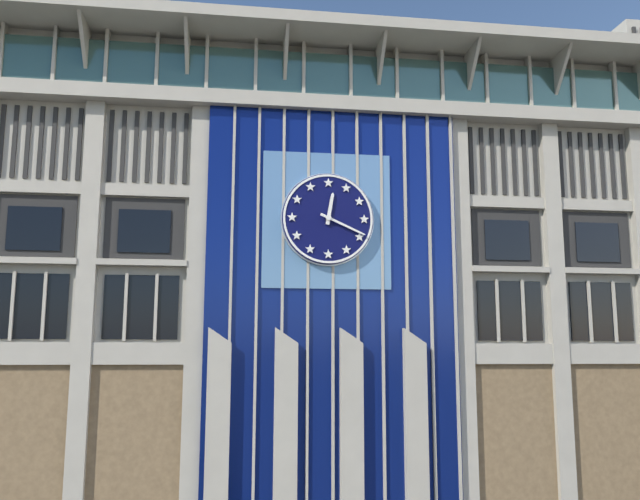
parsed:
**12:19**
